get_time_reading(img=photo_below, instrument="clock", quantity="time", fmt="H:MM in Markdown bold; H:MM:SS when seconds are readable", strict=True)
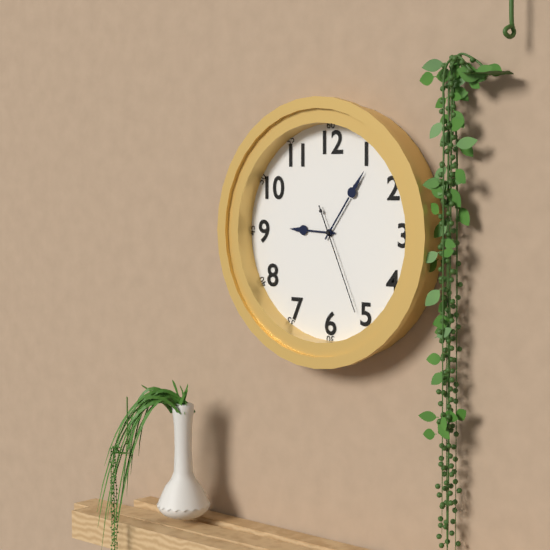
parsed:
**9:06:26**
